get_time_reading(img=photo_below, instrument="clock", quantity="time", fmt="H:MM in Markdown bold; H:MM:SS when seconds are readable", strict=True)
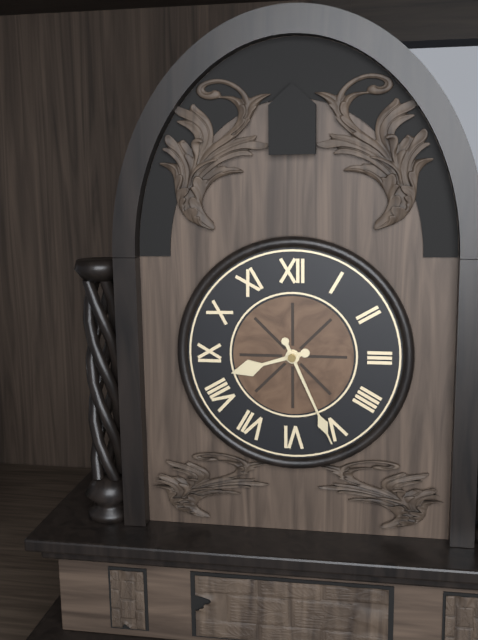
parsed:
**8:26**
